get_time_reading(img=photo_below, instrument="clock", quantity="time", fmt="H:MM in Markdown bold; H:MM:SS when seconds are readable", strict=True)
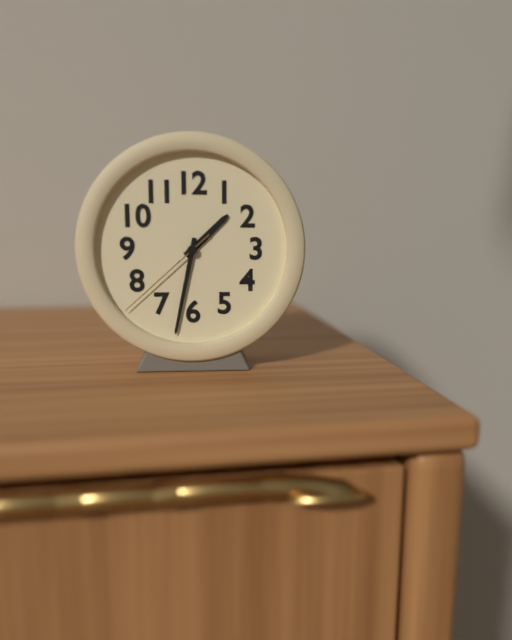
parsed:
**1:32:38**
